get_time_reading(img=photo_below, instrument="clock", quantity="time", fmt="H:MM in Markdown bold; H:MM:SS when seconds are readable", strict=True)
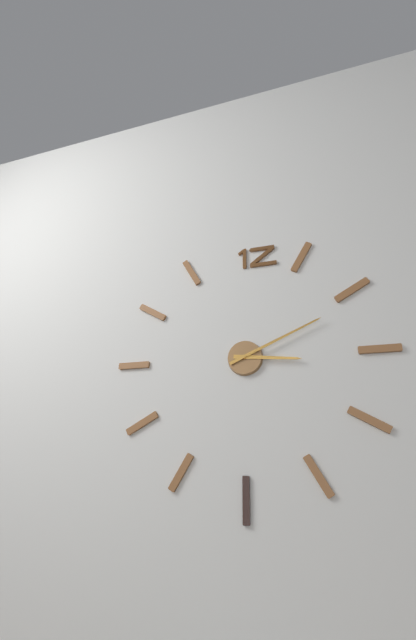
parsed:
**3:11**
